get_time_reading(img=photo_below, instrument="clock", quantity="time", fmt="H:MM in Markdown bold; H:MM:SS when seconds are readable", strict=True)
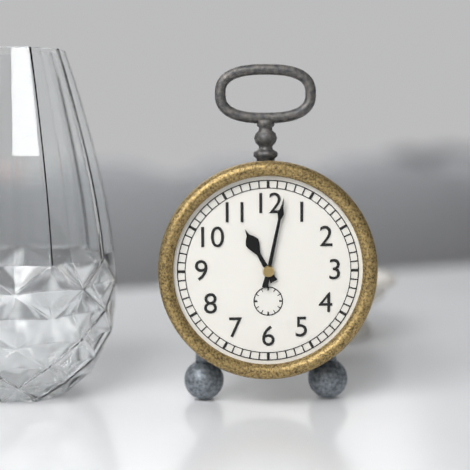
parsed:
**11:02**
